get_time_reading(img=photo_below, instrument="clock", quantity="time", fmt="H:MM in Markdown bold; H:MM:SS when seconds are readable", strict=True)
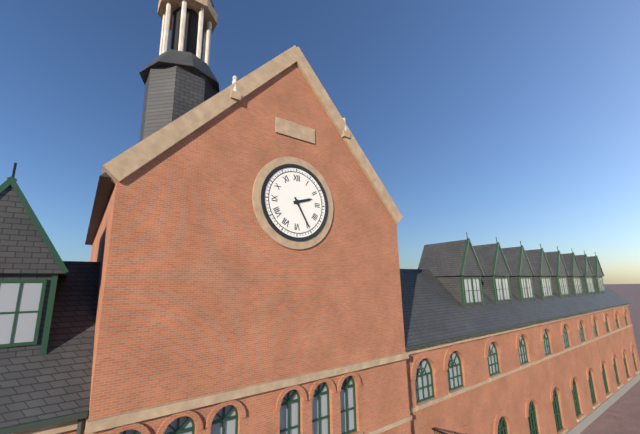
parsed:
**2:25**
